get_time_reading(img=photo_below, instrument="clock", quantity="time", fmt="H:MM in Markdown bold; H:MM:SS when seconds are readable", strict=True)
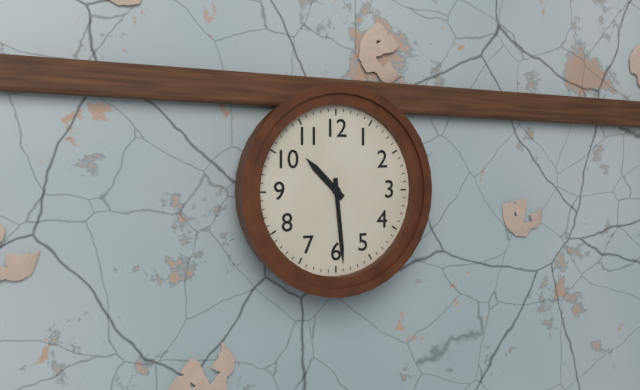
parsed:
**10:29**
